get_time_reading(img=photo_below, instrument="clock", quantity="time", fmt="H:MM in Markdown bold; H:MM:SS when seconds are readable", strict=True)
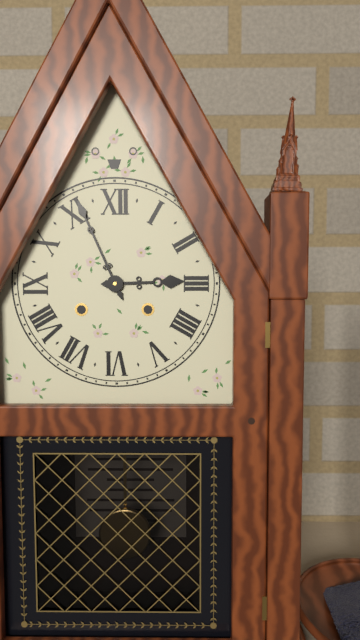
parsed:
**2:56**
